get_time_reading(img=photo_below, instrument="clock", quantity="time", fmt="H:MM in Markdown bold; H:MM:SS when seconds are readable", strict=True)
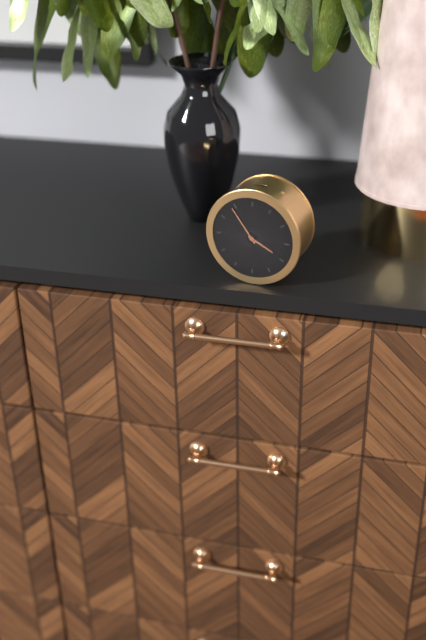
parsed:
**3:54**
